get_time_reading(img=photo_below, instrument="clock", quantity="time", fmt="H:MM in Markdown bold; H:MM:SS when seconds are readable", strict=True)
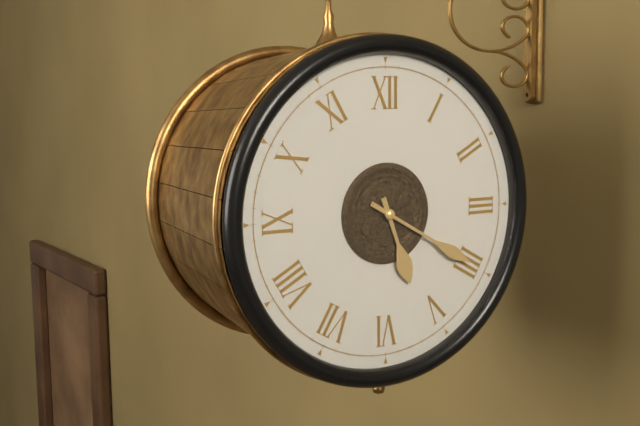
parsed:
**5:20**
